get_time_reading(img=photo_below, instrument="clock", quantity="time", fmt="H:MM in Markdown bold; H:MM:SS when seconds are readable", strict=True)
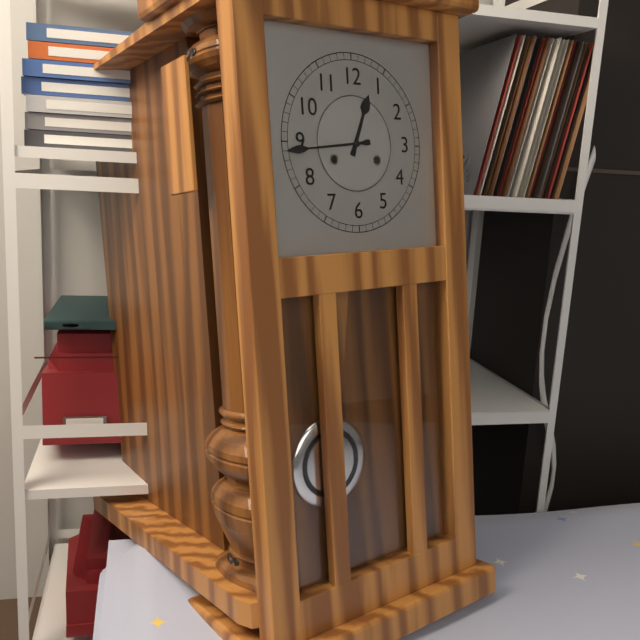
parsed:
**12:44**
